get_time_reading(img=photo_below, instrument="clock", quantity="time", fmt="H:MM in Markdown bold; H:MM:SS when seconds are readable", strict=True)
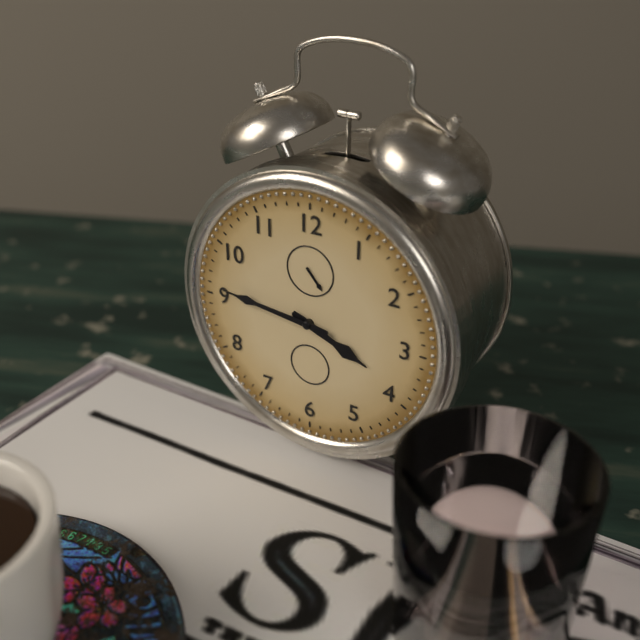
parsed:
**3:46**
